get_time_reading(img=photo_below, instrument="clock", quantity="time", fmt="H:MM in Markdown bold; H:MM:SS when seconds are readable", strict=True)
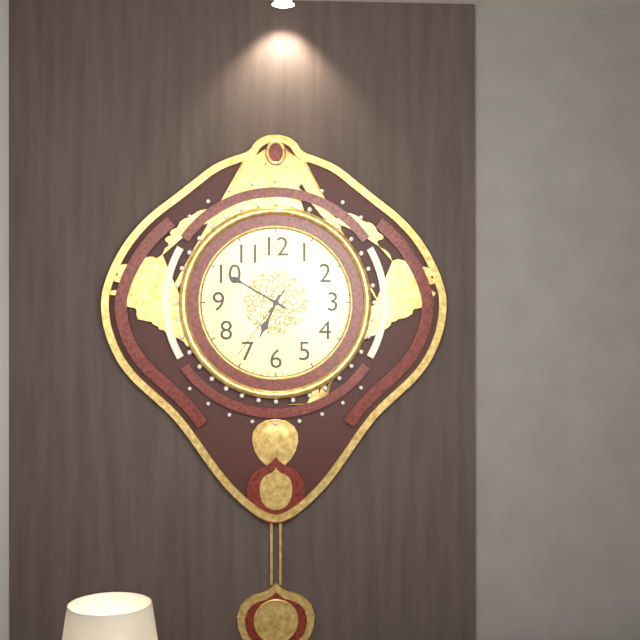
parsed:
**6:50:36**
